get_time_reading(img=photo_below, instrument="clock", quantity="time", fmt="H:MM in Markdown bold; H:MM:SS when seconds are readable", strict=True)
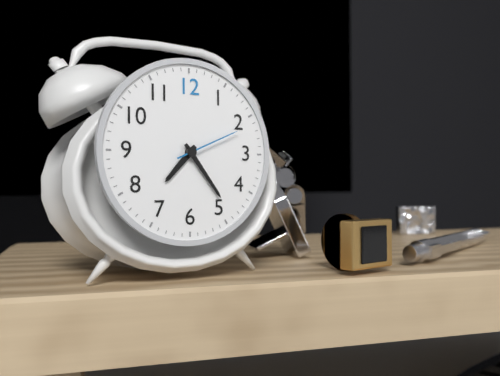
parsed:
**7:24:11**
